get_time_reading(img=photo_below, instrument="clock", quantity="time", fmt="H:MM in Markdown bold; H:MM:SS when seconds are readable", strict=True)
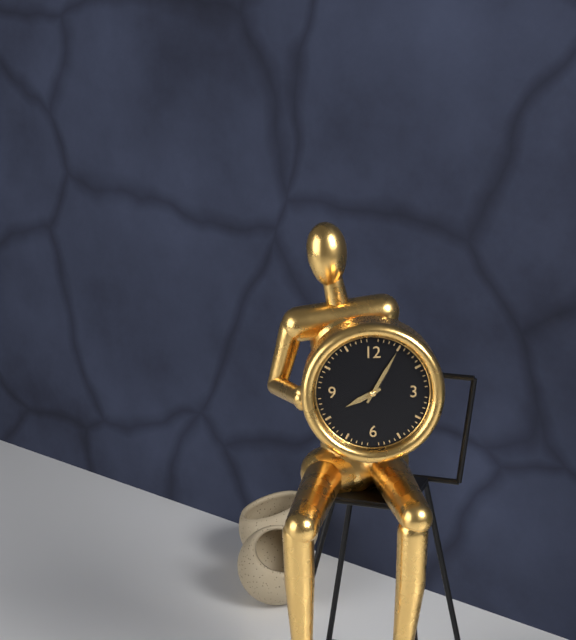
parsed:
**8:05**
